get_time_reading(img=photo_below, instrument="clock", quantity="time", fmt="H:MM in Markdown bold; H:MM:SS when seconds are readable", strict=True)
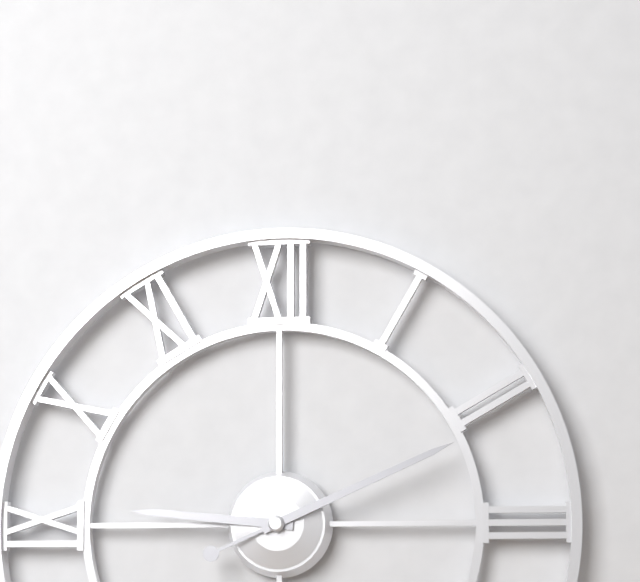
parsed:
**9:11**
